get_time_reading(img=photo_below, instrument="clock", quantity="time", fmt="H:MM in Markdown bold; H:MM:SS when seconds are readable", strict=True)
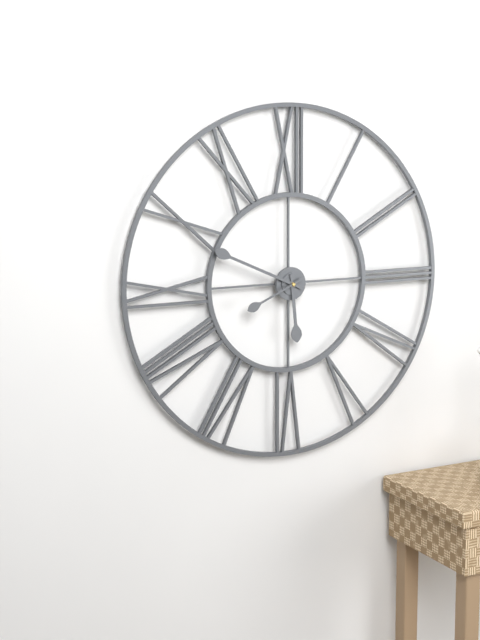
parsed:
**5:49:41**
